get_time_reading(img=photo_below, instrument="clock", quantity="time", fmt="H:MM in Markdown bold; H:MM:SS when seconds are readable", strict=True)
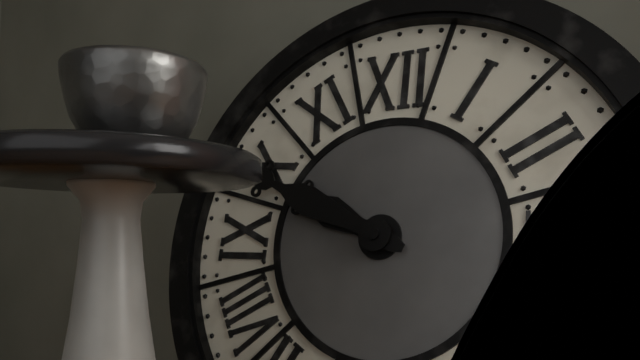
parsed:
**9:49**
